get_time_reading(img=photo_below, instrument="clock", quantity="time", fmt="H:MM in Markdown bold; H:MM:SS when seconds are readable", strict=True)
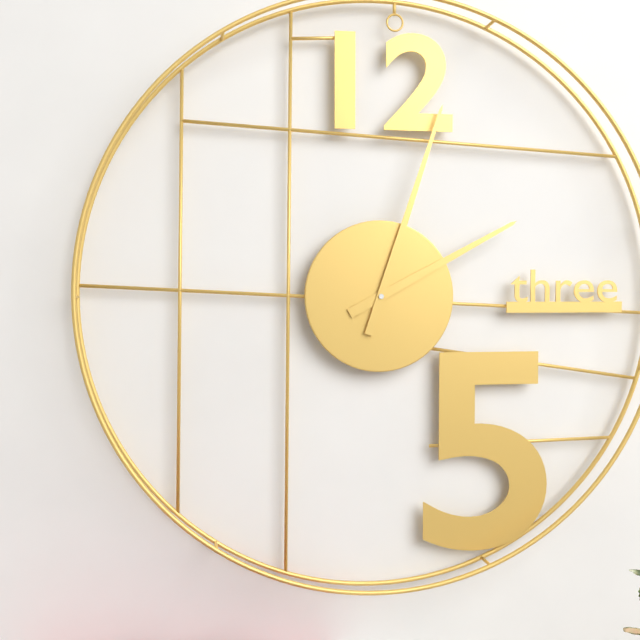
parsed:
**2:03**
